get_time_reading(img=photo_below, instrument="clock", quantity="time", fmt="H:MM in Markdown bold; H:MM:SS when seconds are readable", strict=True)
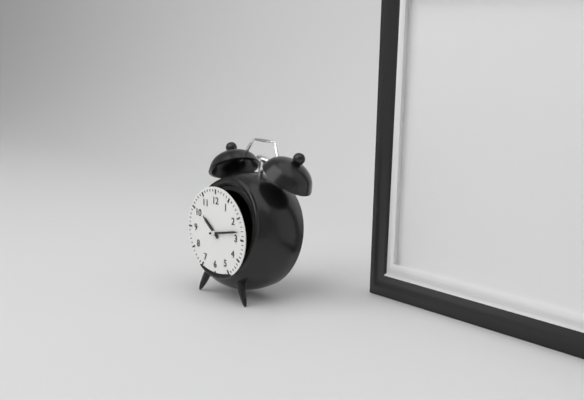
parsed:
**10:13**
